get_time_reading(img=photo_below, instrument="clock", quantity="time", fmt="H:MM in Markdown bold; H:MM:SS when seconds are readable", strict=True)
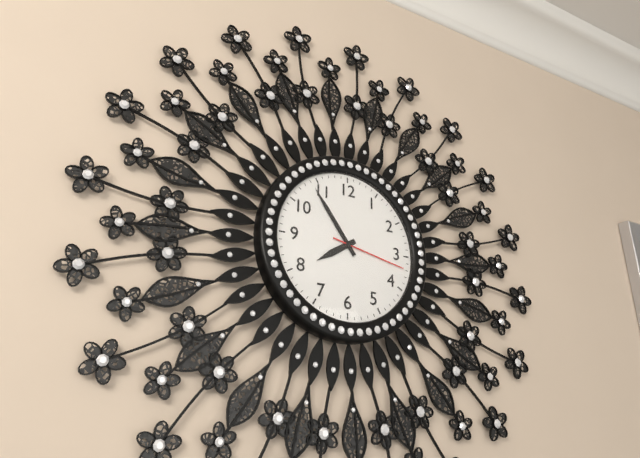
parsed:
**7:54:17**
